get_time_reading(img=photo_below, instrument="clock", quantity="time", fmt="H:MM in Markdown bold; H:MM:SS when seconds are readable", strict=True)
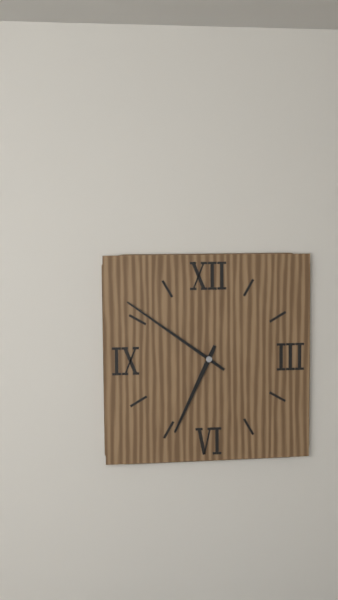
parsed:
**6:51**
